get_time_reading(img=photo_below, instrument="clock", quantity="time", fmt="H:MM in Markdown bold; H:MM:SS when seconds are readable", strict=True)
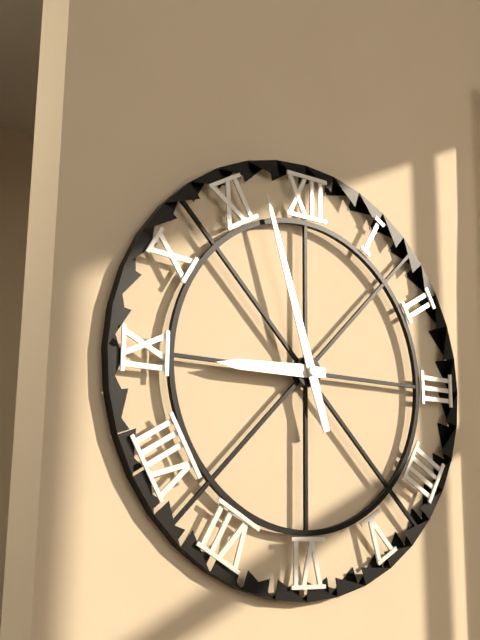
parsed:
**8:57**
